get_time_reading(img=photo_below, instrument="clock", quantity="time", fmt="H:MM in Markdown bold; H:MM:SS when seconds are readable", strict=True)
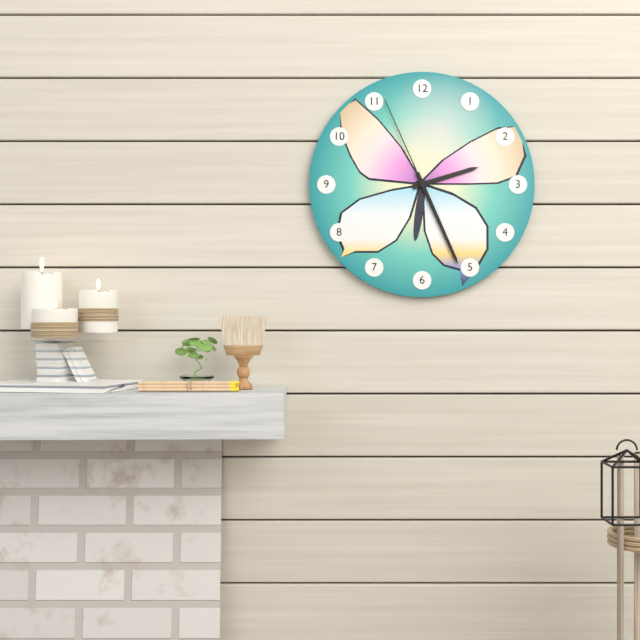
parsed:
**2:26:56**
